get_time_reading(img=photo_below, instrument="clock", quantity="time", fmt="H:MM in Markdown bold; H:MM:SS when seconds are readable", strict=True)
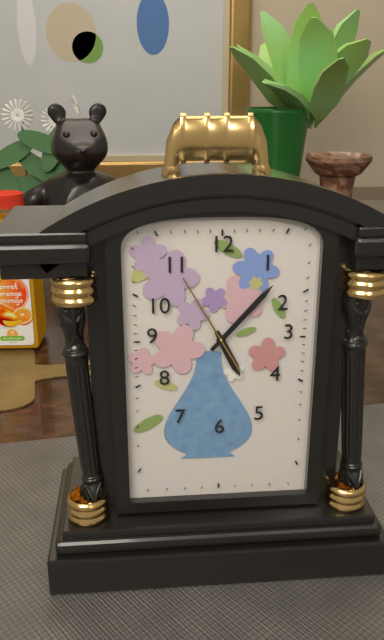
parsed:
**5:07:55**
